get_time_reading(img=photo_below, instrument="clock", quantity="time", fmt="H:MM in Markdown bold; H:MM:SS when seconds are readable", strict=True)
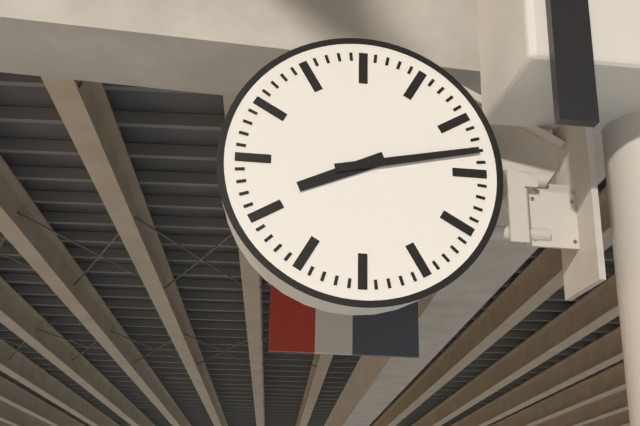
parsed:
**8:13**
